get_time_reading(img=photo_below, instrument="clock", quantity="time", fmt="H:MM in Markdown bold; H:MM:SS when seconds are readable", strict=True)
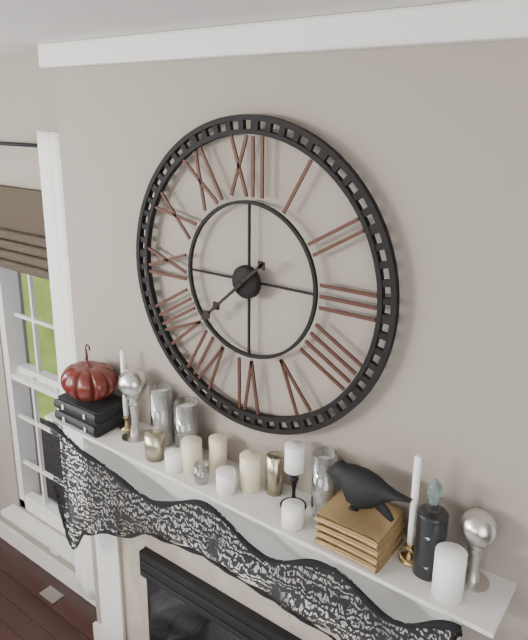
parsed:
**7:38**
